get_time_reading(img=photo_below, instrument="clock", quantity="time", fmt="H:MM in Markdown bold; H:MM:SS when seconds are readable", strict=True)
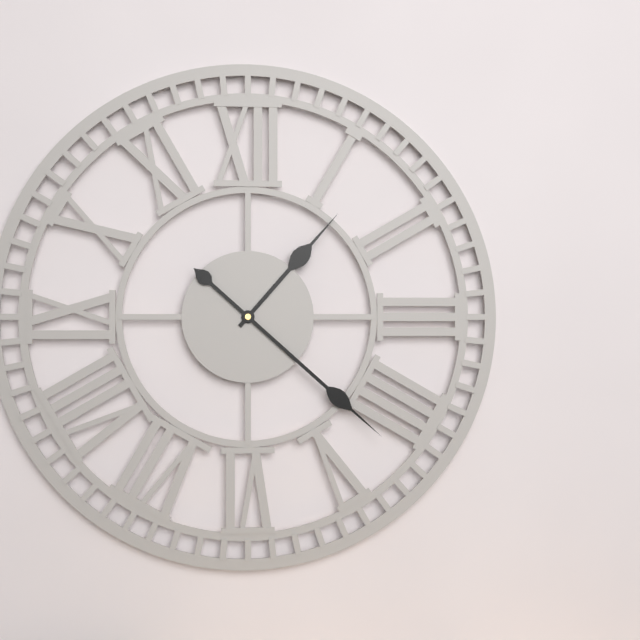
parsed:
**1:22**
